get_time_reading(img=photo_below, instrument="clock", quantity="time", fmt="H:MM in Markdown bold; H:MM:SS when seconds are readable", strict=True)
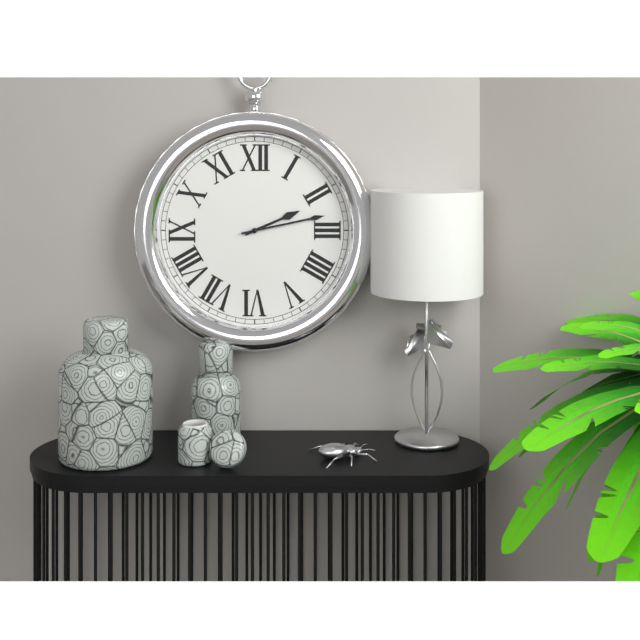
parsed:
**2:13**
